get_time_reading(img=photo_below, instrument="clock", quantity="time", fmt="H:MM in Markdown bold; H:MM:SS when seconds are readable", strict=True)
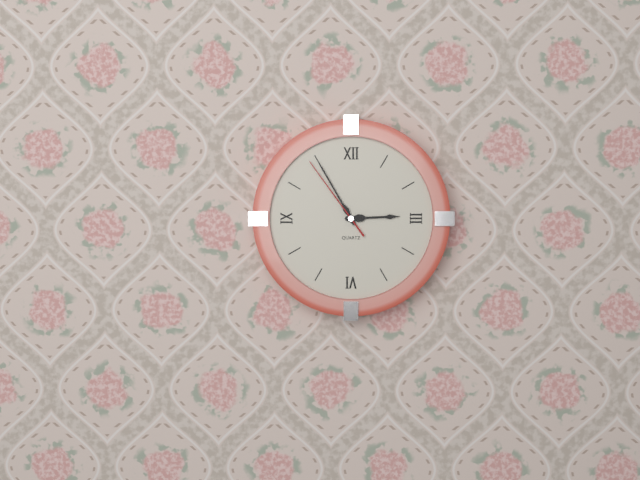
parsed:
**2:55:54**
